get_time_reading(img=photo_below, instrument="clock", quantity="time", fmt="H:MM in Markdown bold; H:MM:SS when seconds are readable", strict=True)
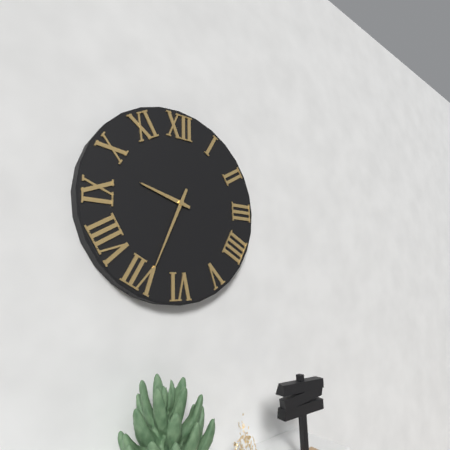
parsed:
**9:34**
